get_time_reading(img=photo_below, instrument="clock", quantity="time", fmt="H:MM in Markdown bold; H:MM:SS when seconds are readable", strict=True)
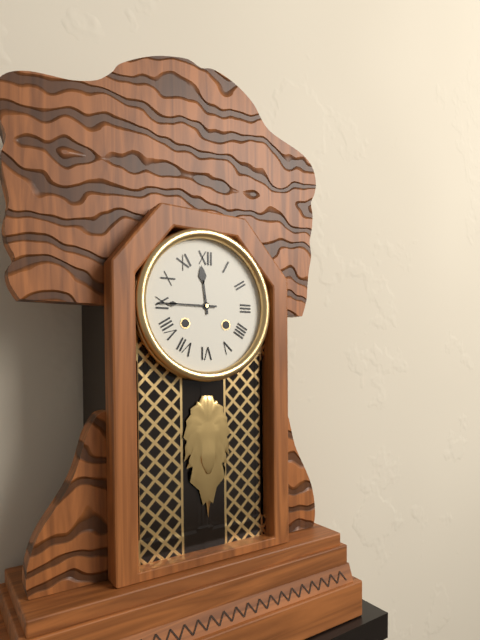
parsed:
**11:45**
